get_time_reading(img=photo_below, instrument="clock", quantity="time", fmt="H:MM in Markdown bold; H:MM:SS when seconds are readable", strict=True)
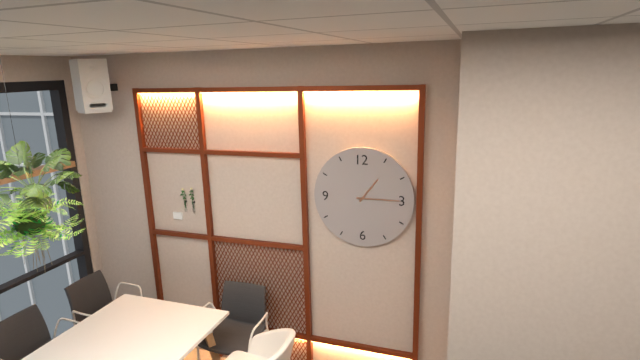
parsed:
**1:15**
